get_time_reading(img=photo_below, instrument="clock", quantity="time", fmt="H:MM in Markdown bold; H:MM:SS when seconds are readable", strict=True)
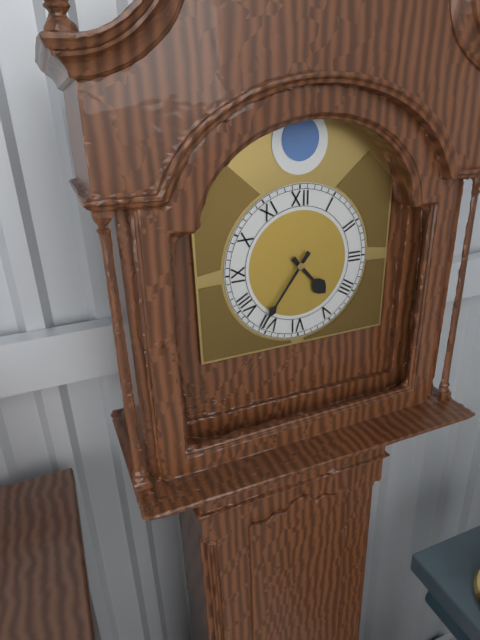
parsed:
**4:36**
